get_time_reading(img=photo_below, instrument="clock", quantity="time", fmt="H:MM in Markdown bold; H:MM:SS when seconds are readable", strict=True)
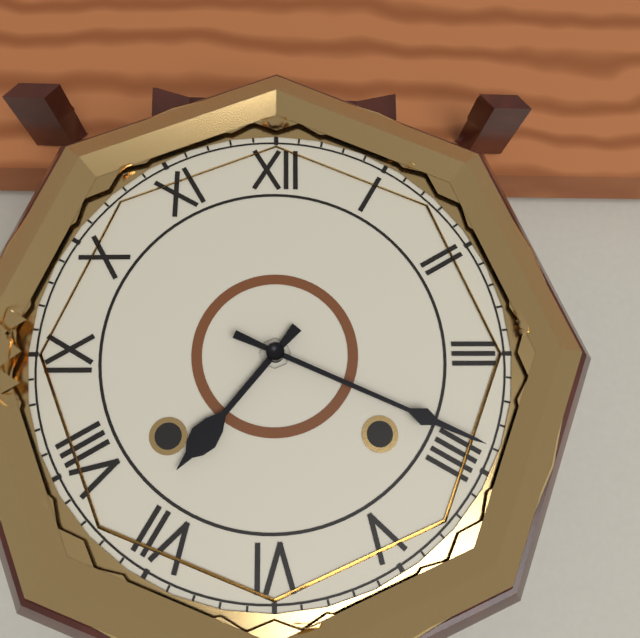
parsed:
**7:19**
